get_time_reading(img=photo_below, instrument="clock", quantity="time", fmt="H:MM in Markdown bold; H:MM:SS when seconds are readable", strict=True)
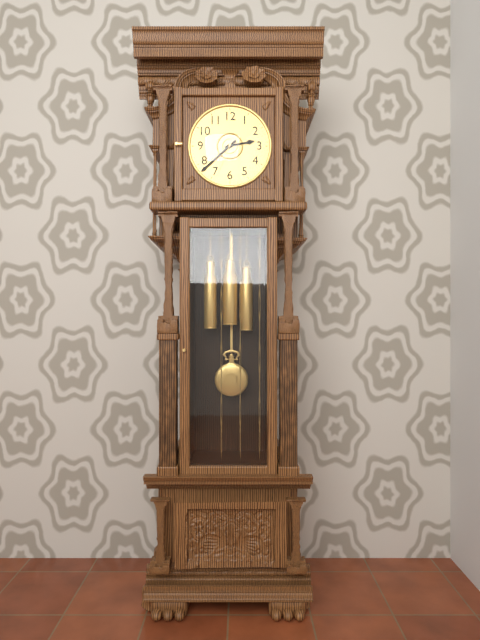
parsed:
**2:38**
